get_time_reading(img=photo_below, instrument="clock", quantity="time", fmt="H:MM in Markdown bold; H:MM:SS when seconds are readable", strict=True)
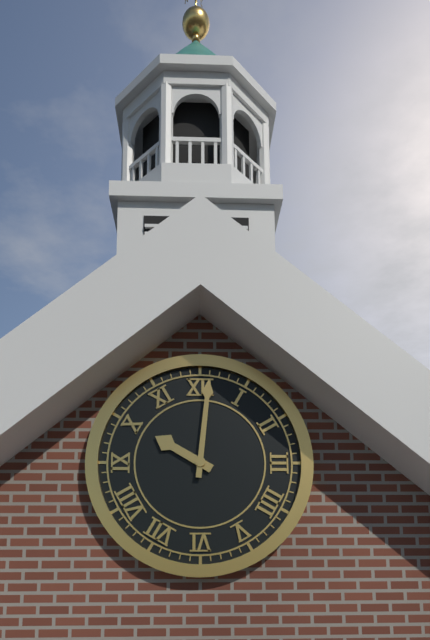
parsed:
**10:01**
